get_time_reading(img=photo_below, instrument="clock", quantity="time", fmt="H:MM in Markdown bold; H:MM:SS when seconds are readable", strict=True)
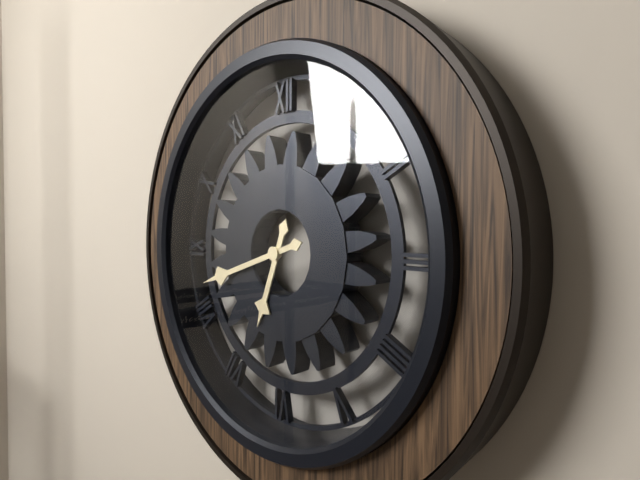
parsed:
**6:42**
